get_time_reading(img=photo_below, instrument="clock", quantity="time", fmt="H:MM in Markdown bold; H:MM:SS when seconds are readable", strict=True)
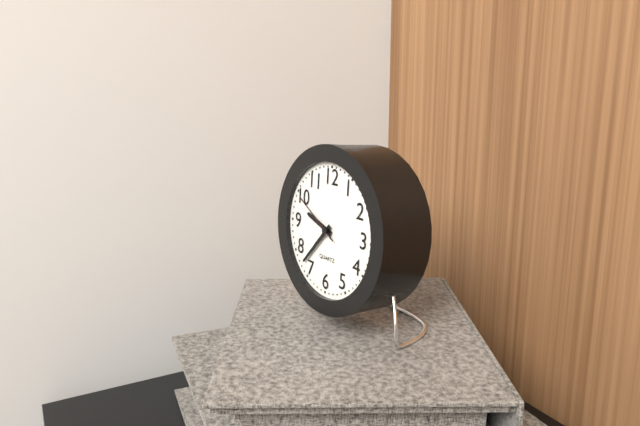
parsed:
**9:37:50**
